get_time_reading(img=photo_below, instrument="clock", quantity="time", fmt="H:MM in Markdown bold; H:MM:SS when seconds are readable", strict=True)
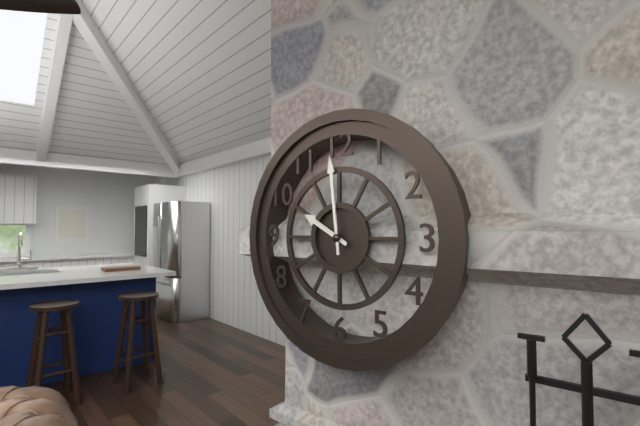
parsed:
**9:59**
